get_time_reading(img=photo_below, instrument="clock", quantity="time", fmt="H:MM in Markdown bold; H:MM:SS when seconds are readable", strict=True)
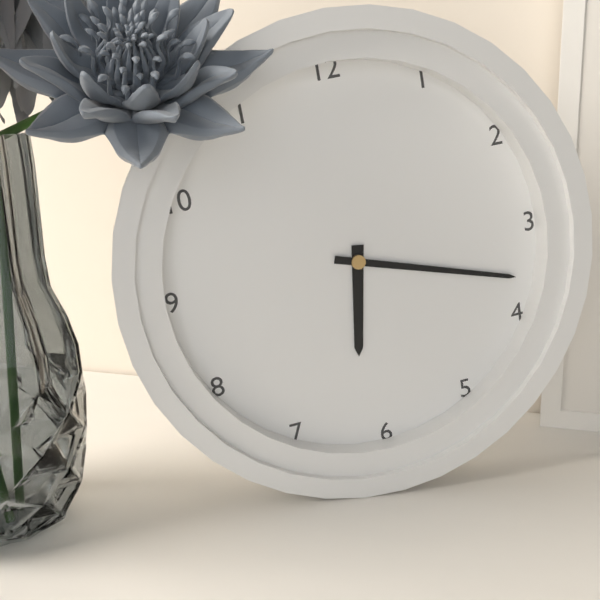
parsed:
**6:18**
